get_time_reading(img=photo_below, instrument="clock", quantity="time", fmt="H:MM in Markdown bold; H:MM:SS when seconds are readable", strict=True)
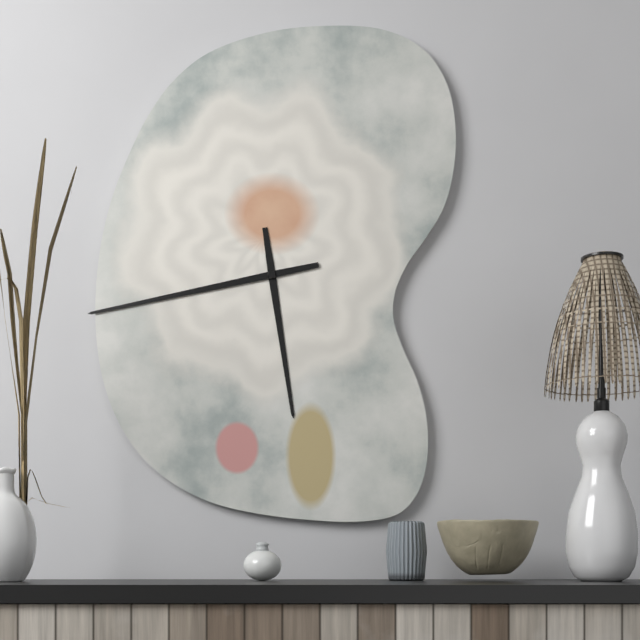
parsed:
**5:43**
